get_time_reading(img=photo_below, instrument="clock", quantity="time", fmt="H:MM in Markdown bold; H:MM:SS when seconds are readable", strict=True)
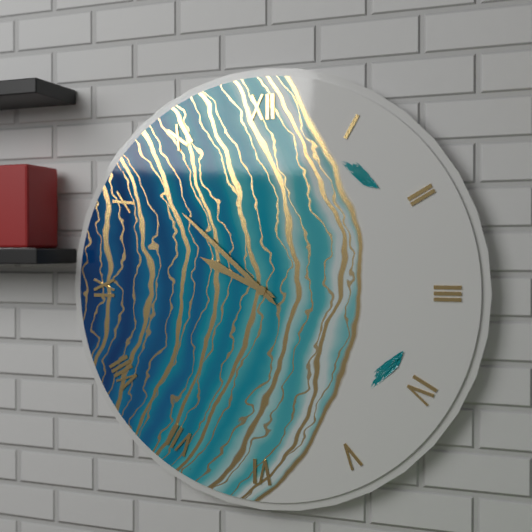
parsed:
**9:52**
